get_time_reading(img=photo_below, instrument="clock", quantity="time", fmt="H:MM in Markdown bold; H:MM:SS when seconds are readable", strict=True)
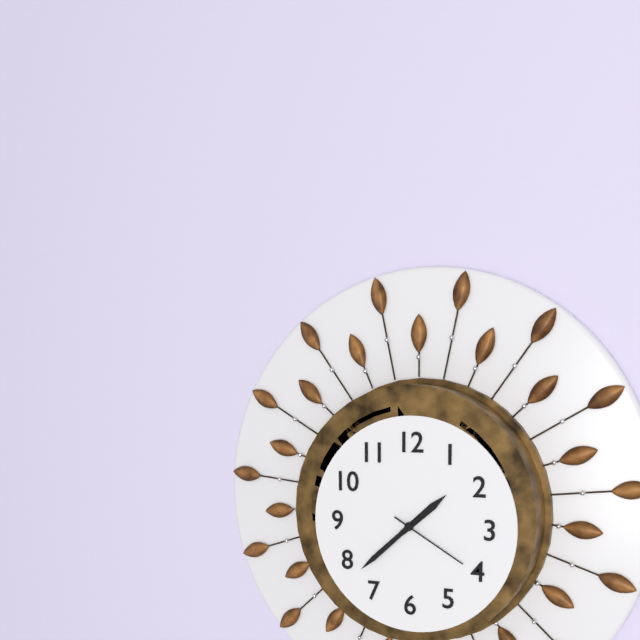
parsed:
**1:38:20**
